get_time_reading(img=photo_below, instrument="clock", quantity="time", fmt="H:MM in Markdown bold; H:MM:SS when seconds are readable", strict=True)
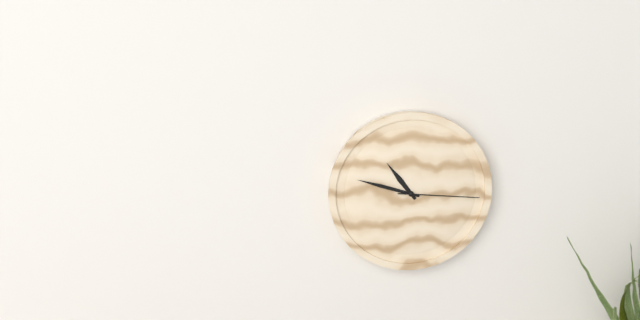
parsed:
**10:48:16**
